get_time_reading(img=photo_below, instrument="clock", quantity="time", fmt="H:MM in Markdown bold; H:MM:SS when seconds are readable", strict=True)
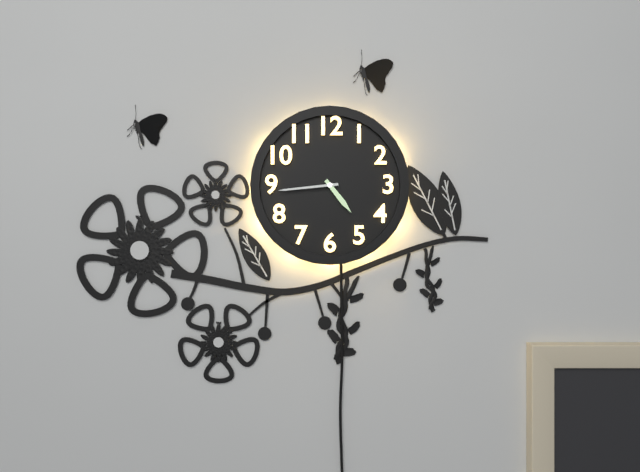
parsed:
**4:44**
